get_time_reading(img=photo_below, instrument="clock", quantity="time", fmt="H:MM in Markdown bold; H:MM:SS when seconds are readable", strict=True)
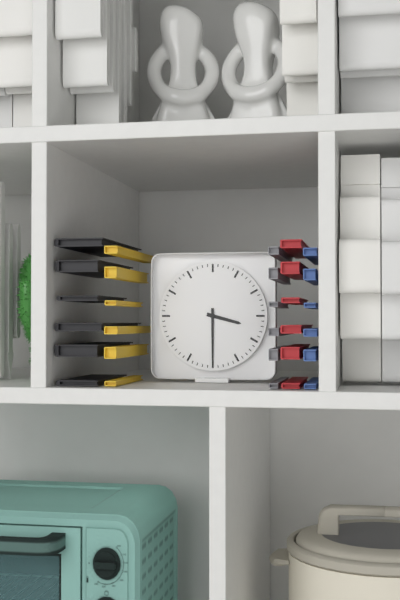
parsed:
**3:30**
